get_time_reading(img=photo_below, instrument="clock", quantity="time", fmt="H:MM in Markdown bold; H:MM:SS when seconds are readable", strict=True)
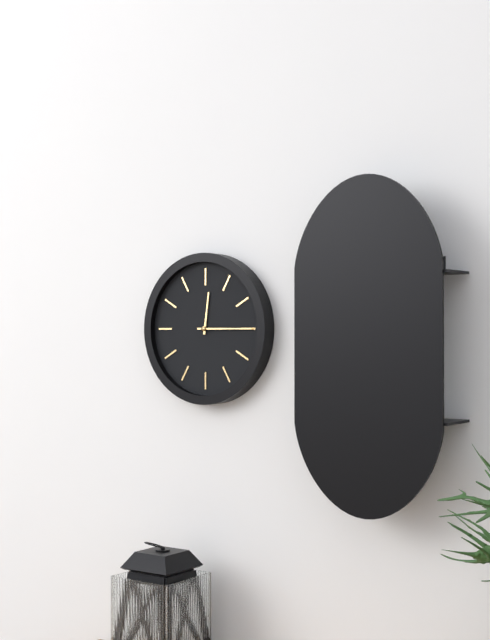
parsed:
**12:15**
